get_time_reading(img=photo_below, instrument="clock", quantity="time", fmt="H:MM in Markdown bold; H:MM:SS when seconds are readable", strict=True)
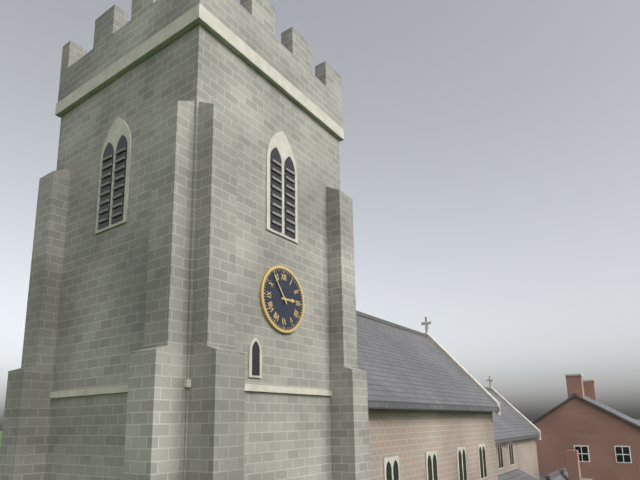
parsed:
**2:54**
